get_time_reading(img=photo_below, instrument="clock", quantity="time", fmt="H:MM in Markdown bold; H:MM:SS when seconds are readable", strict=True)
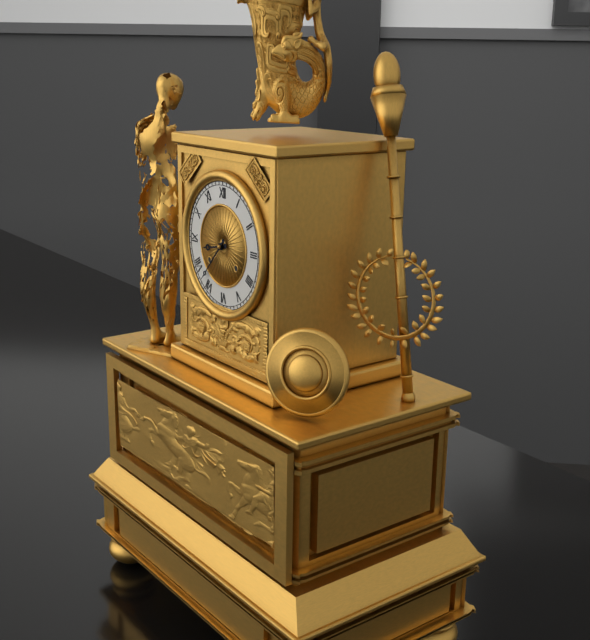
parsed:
**8:37**
